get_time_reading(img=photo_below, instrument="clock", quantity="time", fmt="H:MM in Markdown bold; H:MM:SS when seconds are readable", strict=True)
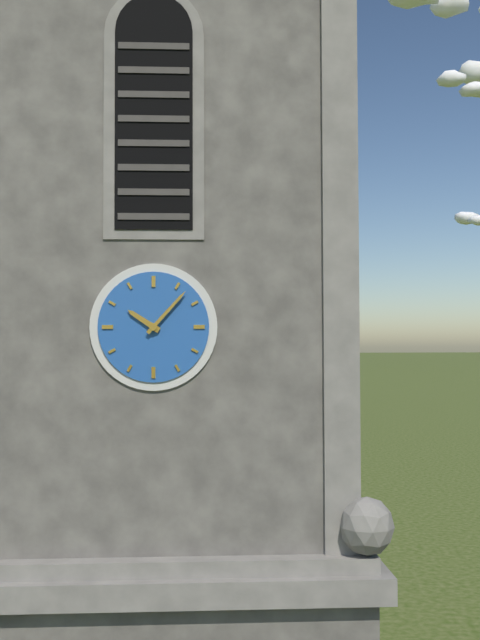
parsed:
**10:07**
